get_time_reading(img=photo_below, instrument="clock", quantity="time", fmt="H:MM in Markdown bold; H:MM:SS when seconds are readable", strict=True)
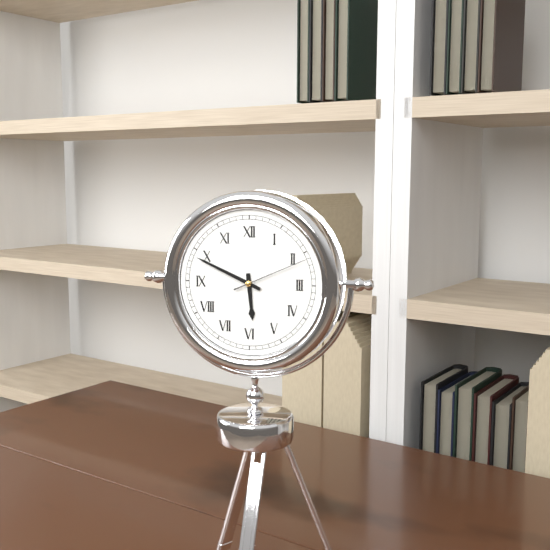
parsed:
**5:49:11**
